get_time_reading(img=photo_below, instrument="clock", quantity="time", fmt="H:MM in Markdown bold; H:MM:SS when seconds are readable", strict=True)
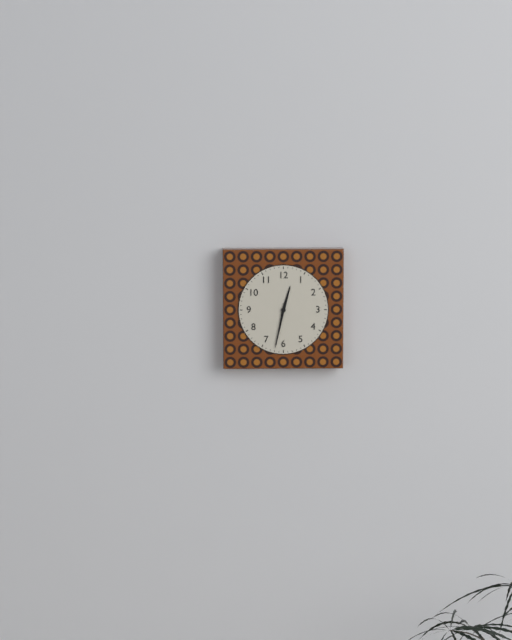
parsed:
**12:32**
